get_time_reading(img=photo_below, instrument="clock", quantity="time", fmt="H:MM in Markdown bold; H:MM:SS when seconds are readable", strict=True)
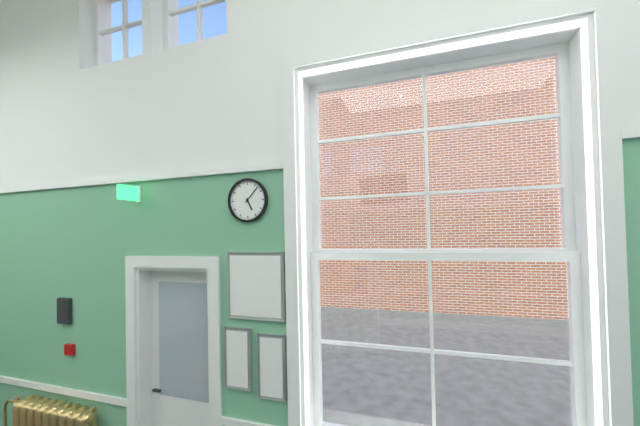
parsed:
**5:07**
